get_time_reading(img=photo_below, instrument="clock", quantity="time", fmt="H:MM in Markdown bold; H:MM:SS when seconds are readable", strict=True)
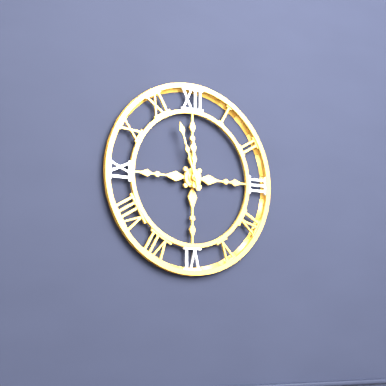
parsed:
**11:57**
